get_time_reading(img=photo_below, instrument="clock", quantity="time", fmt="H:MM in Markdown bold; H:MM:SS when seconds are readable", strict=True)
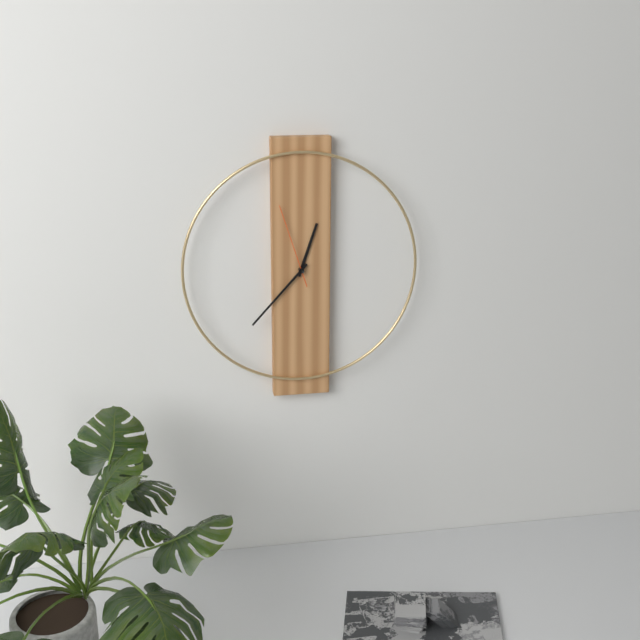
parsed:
**12:37:57**
